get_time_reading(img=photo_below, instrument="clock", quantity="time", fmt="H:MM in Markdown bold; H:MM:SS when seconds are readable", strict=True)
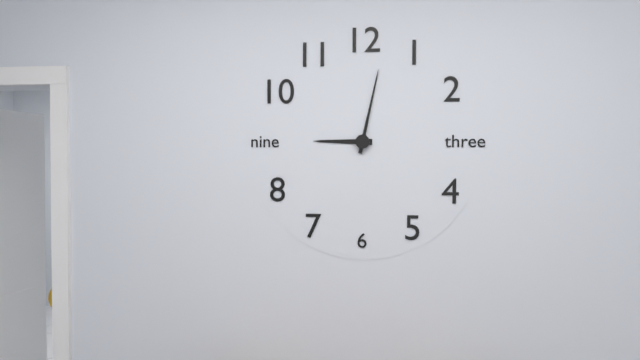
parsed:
**9:02**
